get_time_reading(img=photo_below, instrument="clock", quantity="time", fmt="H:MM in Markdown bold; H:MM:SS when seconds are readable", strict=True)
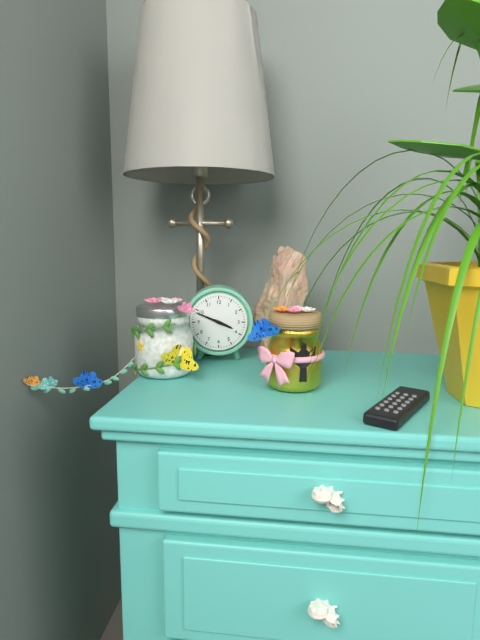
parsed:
**3:49**
